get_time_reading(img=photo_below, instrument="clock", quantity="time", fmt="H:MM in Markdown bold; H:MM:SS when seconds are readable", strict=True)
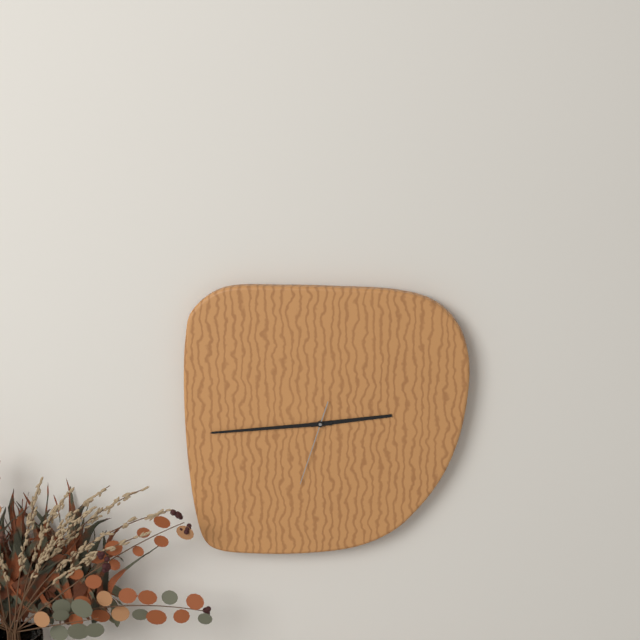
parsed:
**2:44:33**
